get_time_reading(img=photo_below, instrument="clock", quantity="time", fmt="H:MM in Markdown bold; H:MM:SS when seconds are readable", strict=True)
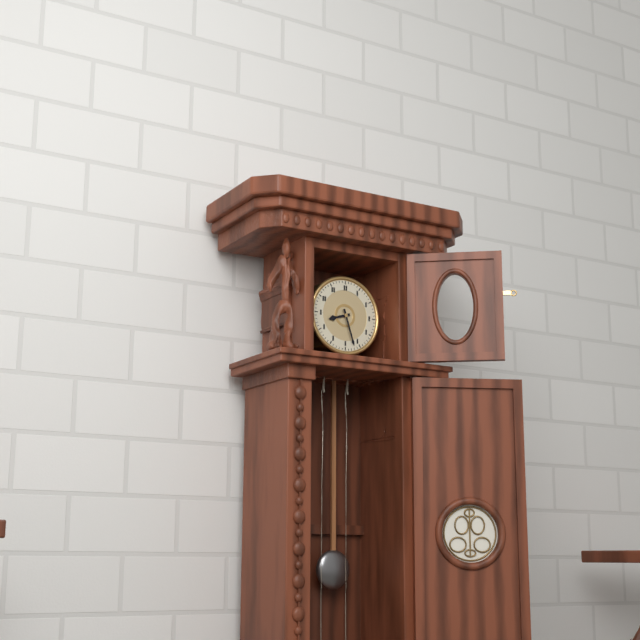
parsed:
**8:27**
